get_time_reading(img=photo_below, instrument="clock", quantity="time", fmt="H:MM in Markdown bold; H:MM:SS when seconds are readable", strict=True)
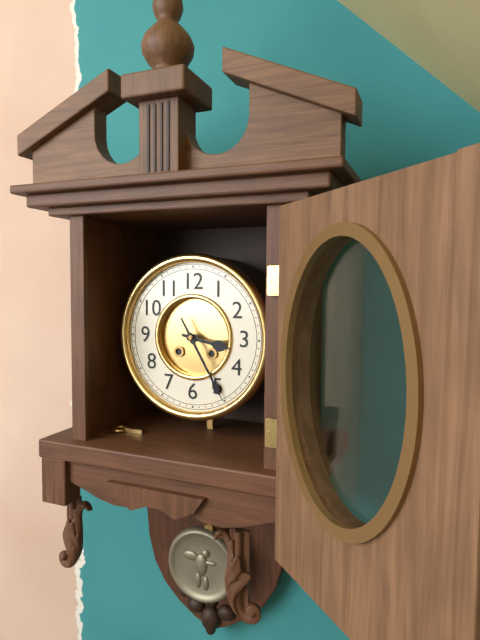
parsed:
**3:25**
